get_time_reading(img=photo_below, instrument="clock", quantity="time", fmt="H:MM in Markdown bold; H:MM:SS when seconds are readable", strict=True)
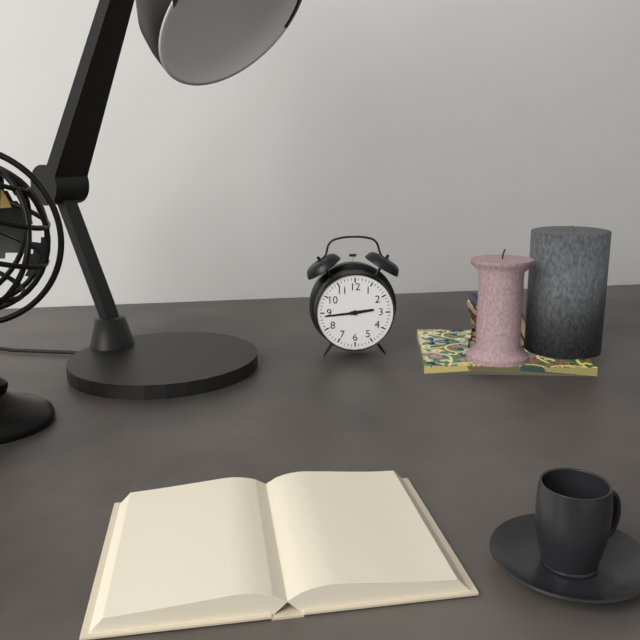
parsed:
**2:44**
